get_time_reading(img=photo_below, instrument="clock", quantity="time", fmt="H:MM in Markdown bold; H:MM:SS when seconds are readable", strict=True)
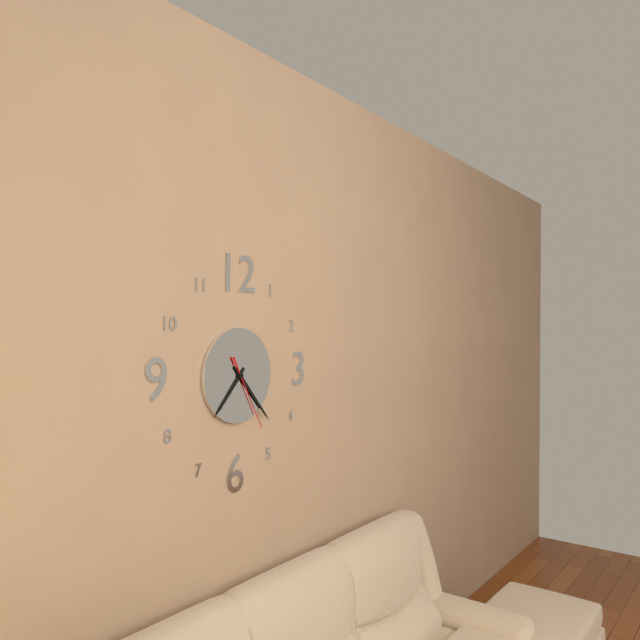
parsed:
**7:23:25**
